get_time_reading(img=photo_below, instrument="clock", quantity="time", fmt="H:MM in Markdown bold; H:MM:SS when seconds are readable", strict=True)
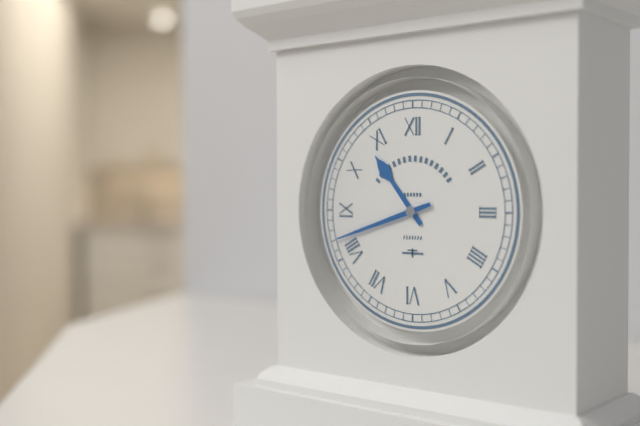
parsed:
**10:42**
